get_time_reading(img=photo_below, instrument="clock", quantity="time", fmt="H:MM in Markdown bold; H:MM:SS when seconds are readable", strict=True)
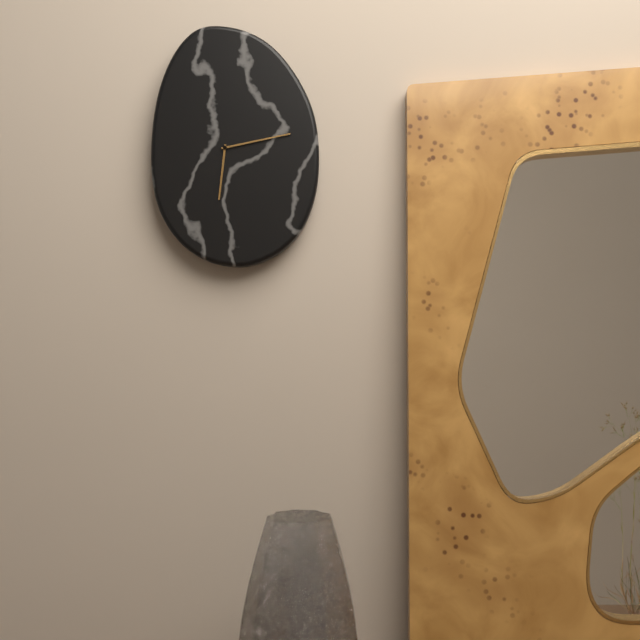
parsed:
**6:13**
